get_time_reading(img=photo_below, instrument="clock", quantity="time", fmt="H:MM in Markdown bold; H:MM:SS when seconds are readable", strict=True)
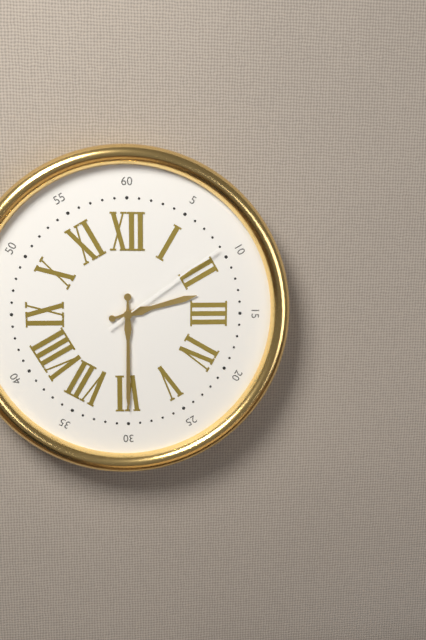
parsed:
**2:30:09**
